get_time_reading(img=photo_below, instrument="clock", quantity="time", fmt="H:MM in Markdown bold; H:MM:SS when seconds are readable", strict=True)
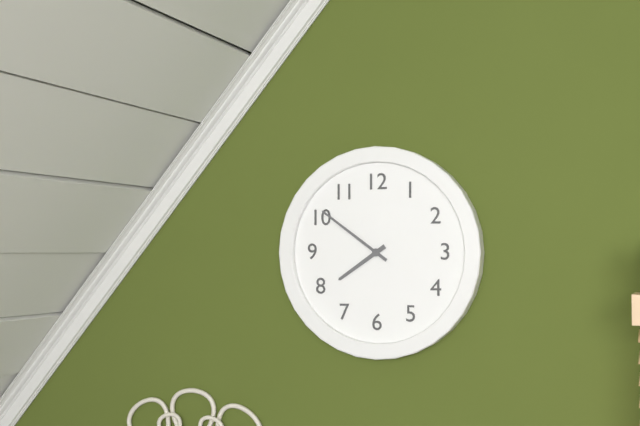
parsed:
**7:51**
